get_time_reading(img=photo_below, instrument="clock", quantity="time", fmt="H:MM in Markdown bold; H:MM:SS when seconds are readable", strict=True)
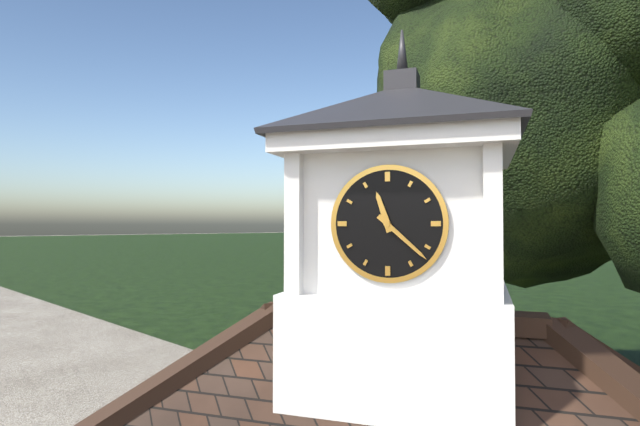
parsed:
**11:22**
